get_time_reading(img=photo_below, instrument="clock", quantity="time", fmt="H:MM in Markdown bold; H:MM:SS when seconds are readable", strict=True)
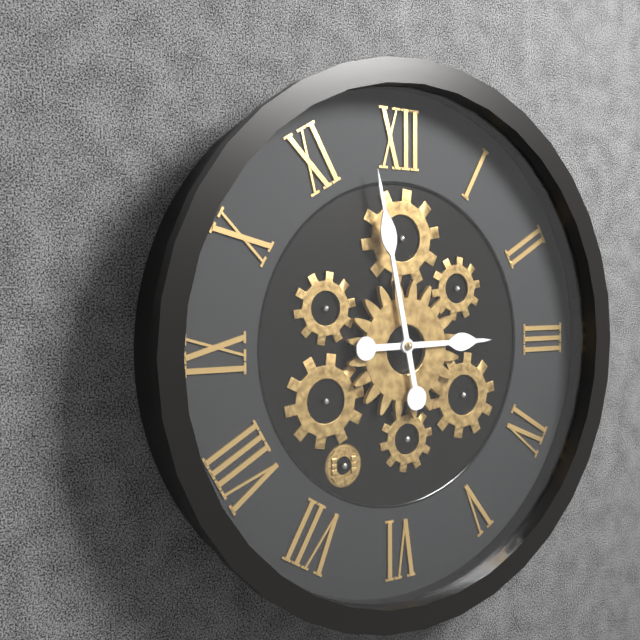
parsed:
**2:58**
